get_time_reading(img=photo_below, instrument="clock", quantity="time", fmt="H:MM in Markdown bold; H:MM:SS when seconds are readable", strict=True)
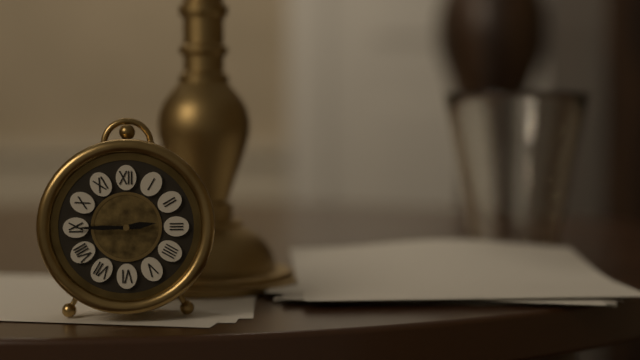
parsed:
**2:45**
